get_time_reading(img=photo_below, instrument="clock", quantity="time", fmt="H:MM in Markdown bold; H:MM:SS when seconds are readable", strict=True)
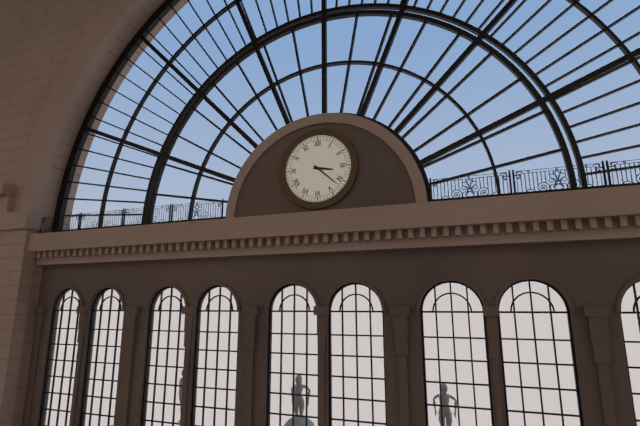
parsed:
**3:22**
